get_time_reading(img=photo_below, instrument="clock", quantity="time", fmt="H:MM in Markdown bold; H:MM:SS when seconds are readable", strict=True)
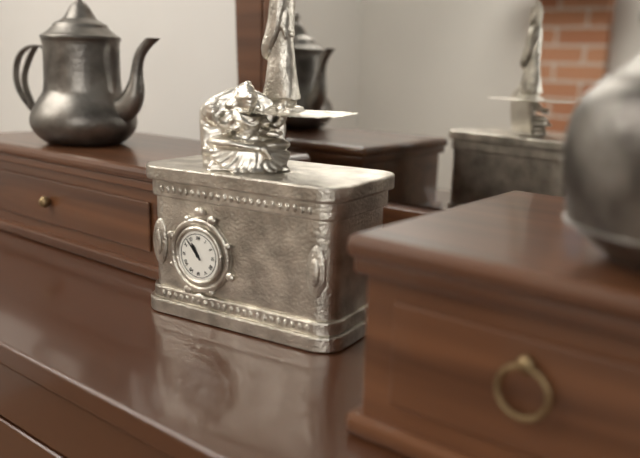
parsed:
**10:53**
